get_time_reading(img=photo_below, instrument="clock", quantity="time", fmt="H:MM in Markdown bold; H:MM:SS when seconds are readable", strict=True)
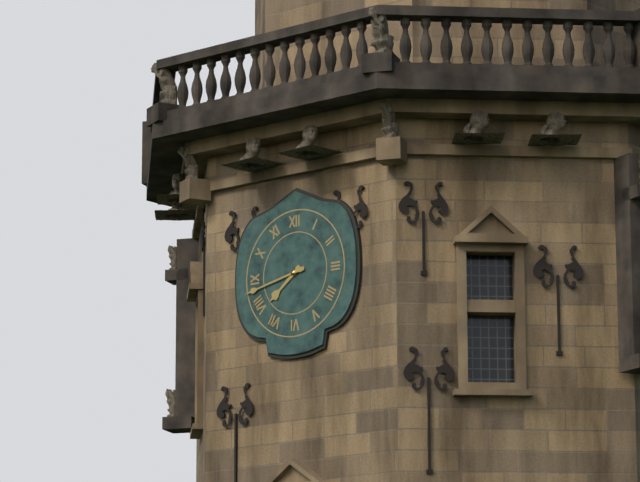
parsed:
**7:43**
